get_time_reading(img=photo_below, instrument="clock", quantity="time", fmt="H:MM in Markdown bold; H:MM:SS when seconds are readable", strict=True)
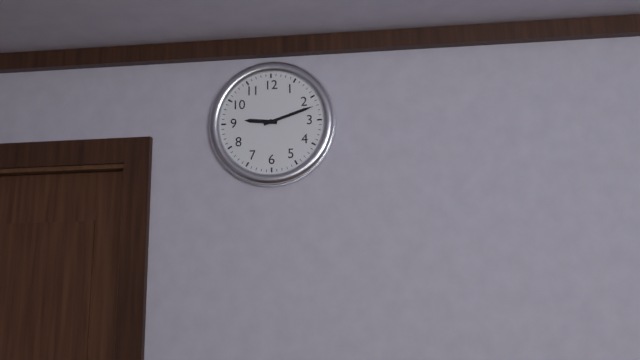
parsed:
**9:12**
